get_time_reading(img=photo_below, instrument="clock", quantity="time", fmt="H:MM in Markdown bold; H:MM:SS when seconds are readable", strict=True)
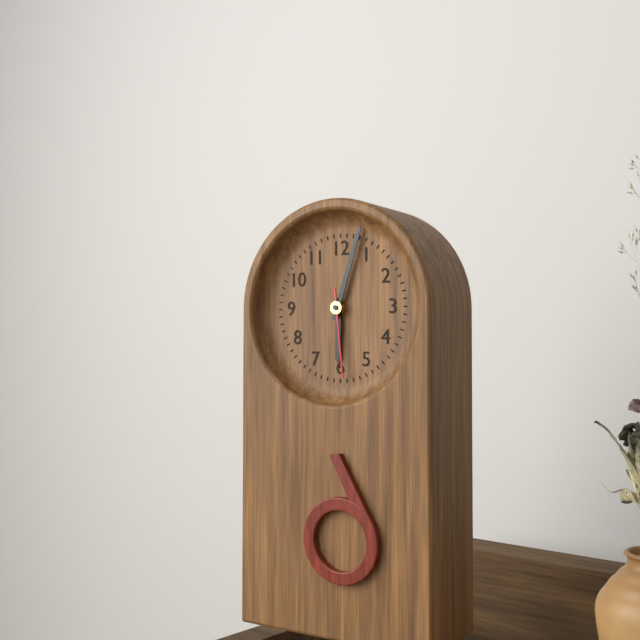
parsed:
**6:03:29**
